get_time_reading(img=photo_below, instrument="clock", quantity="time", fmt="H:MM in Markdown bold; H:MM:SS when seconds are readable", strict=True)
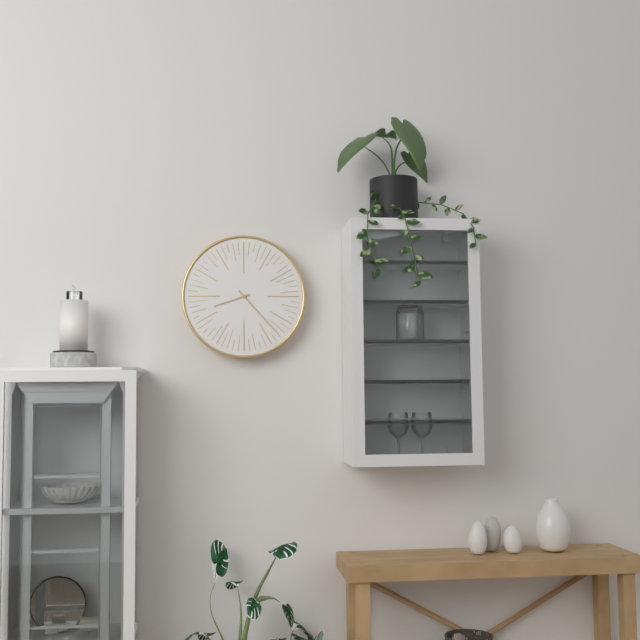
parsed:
**8:23**
